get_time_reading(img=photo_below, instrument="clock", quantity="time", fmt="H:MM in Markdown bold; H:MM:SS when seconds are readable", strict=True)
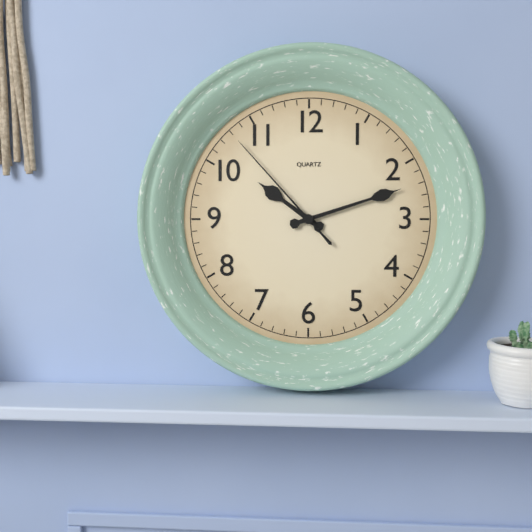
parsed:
**10:12:53**
